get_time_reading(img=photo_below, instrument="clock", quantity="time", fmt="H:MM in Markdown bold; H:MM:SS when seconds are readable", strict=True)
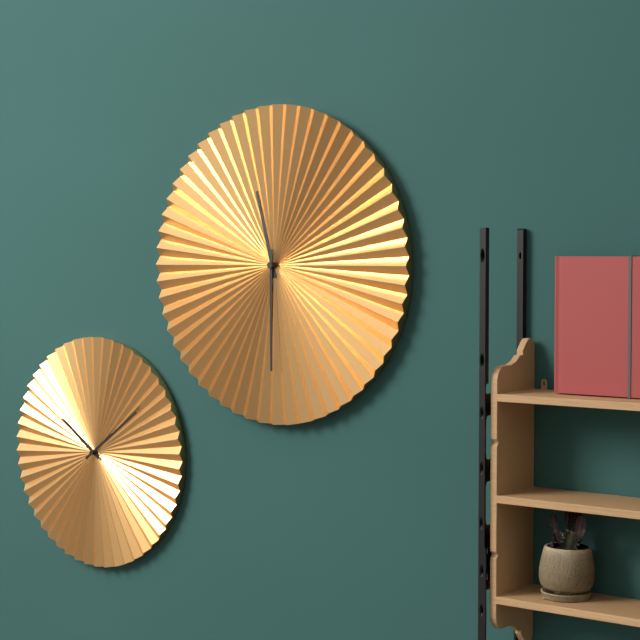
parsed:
**11:30**
